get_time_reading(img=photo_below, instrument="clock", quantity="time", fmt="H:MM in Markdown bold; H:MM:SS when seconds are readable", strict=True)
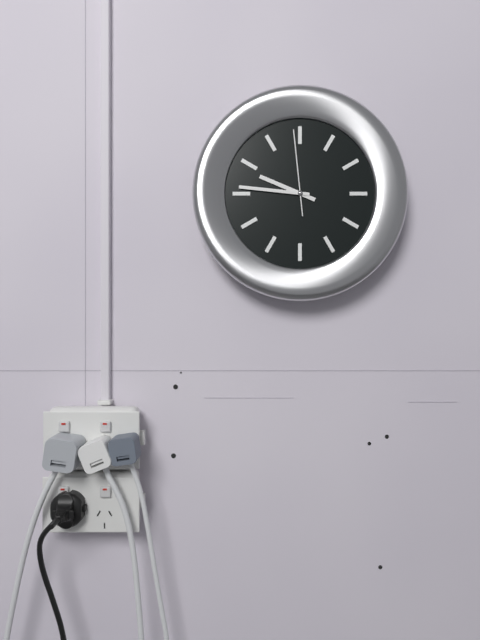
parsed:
**9:46:59**
